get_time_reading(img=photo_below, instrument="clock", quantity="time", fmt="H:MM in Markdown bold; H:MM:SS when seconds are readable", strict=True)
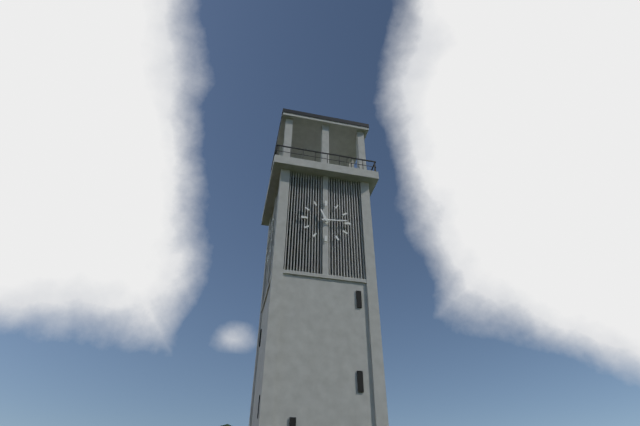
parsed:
**11:14**
